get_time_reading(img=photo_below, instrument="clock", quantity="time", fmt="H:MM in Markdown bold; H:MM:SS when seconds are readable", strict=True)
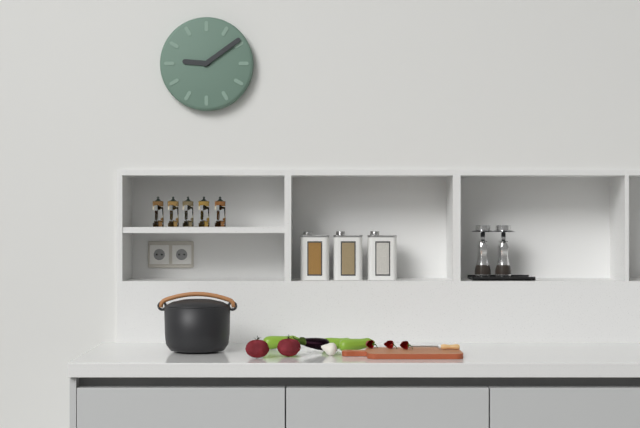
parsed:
**9:09**
